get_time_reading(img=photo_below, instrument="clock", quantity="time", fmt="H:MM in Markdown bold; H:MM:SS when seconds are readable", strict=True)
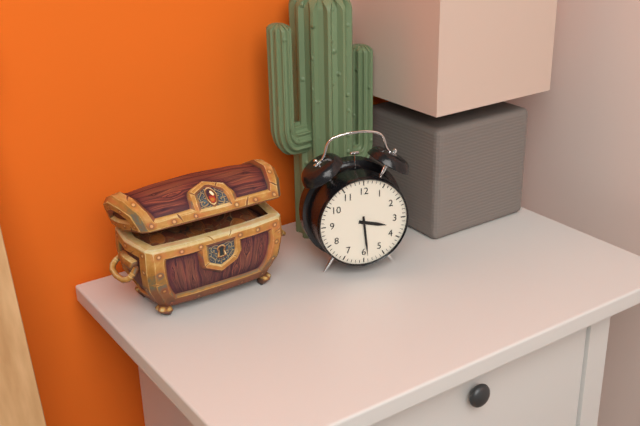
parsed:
**3:29**
